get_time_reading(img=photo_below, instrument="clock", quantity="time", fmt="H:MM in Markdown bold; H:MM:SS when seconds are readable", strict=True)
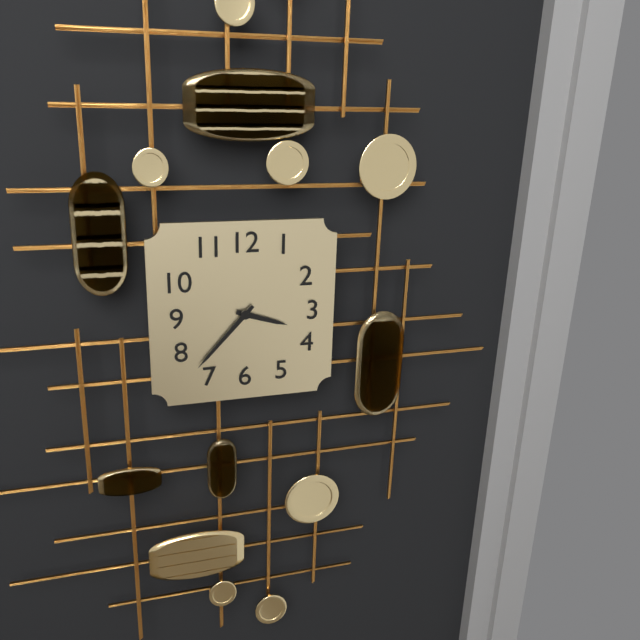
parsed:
**3:37**
